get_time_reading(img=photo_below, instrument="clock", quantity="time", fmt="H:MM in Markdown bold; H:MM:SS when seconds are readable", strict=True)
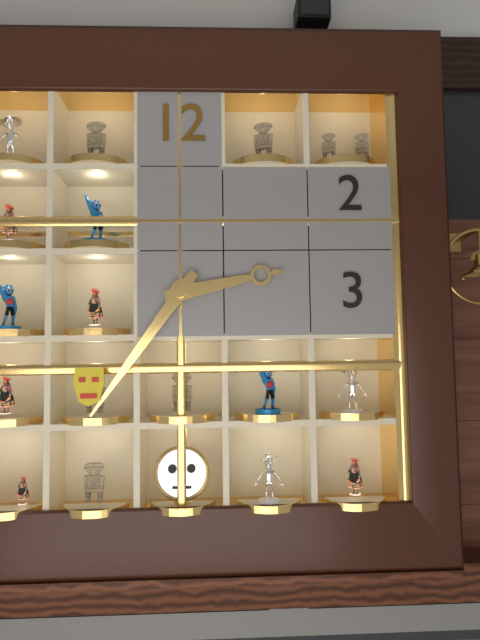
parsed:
**2:36**
